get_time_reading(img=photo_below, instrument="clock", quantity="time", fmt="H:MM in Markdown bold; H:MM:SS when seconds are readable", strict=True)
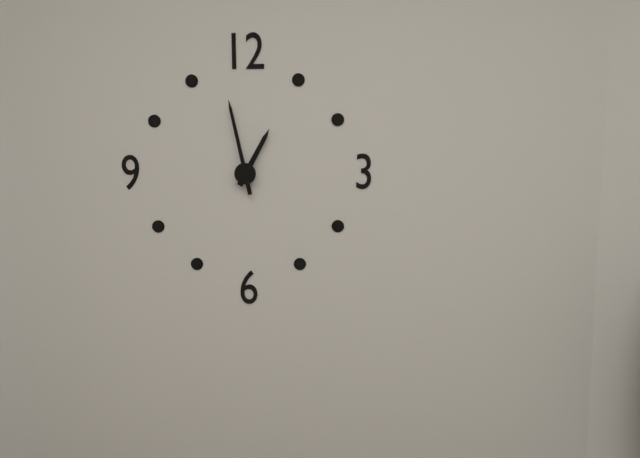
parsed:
**12:58**
